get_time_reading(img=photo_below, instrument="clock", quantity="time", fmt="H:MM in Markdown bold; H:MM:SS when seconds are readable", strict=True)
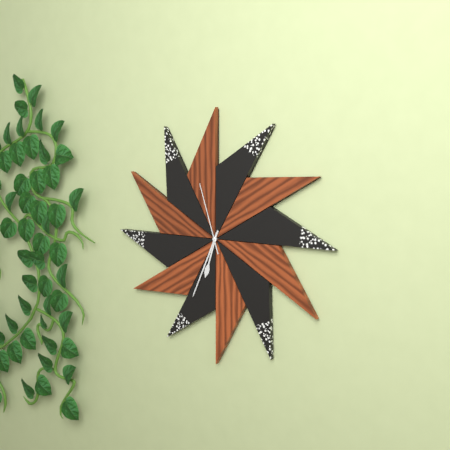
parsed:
**6:34:57**
